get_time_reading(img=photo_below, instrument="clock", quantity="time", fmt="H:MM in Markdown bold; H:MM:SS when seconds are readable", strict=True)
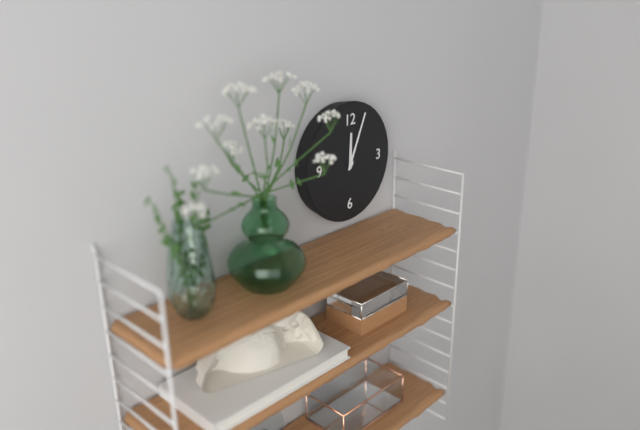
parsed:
**12:04**
